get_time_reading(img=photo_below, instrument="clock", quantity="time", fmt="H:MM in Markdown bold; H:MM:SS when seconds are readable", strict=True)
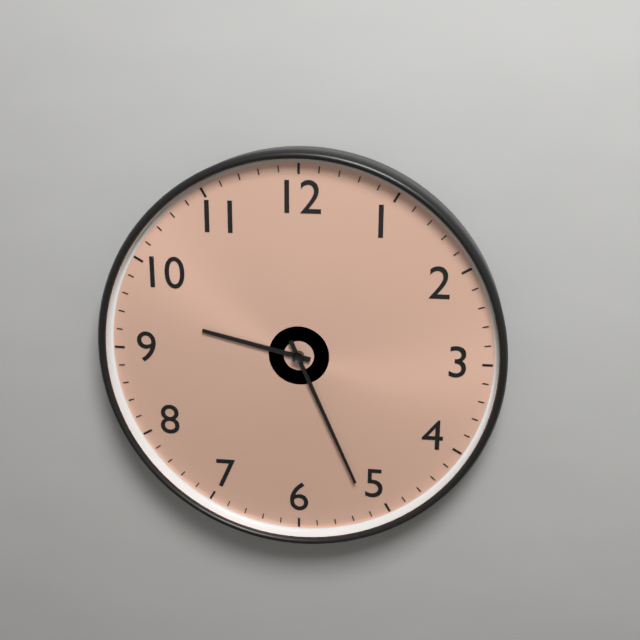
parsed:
**9:26**
